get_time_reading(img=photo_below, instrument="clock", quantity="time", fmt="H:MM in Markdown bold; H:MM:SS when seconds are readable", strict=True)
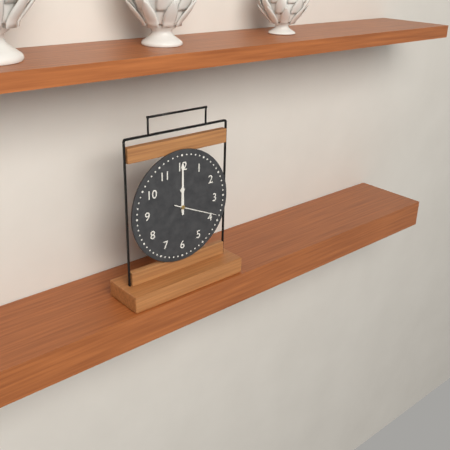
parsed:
**12:00**
